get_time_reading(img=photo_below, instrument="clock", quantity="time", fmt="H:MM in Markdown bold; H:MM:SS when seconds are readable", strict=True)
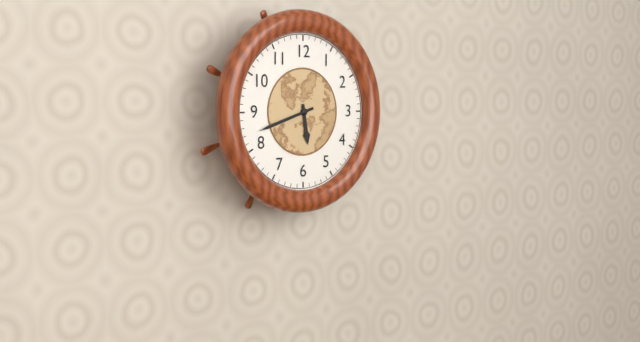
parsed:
**5:42**
